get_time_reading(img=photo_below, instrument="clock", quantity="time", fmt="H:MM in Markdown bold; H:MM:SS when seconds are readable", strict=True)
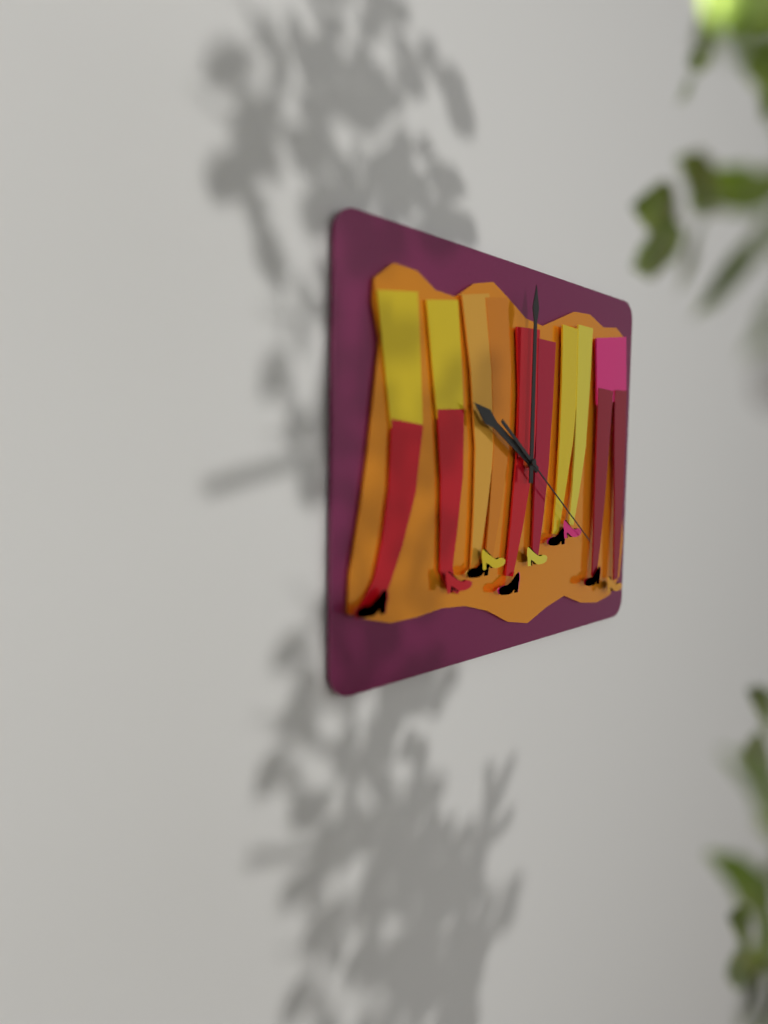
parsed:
**10:00:21**
